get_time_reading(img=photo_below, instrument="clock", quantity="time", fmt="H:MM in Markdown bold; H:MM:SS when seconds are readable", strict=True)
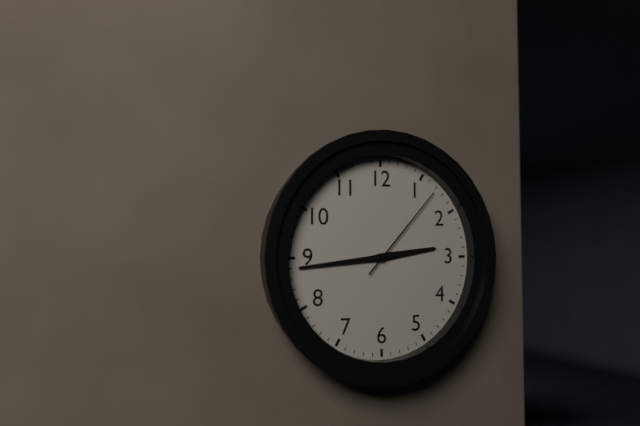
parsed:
**2:44:07**
